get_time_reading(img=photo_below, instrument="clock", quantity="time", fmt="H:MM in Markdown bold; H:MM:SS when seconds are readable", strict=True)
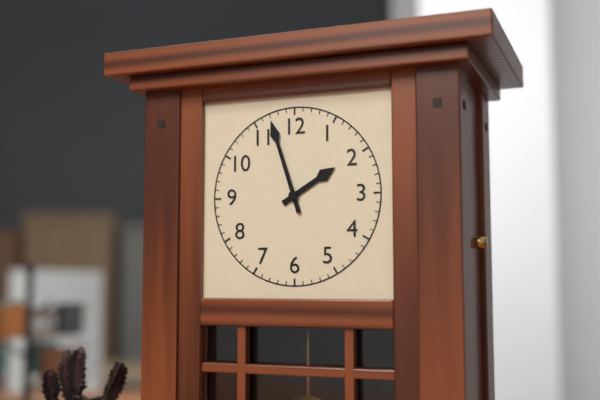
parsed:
**1:57**
